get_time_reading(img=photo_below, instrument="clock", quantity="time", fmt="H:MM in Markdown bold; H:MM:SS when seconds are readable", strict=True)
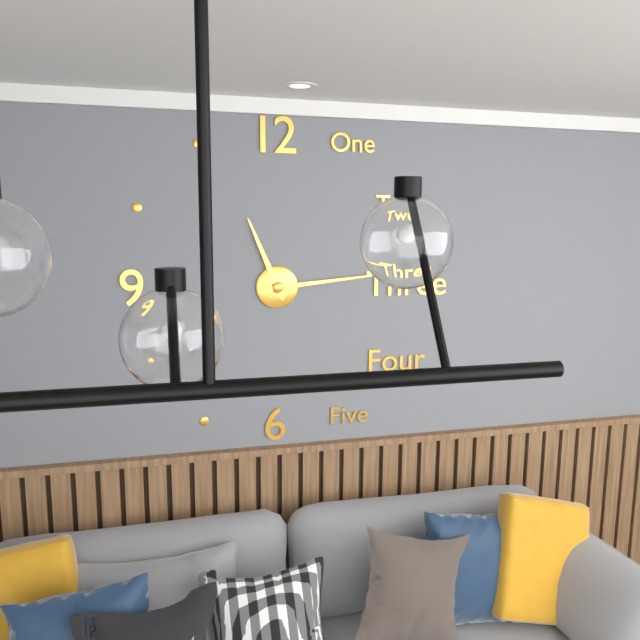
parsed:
**11:14**
